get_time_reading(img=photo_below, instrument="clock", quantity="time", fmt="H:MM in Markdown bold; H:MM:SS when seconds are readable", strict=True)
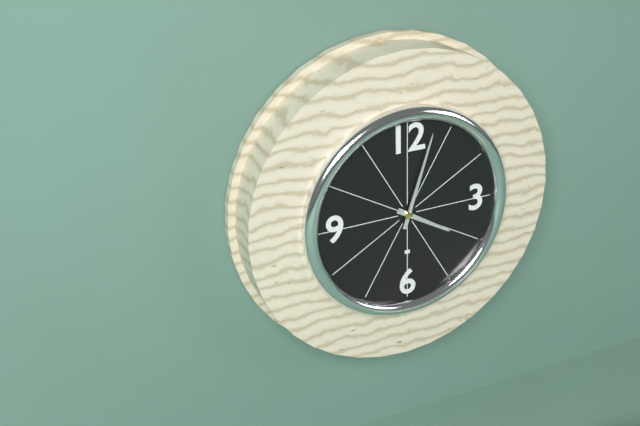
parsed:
**4:03**
